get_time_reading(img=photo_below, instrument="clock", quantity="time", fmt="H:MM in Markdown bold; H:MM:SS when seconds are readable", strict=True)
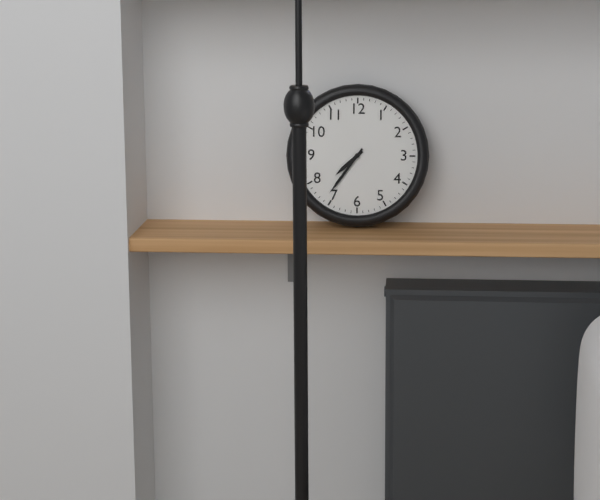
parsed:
**7:36**
